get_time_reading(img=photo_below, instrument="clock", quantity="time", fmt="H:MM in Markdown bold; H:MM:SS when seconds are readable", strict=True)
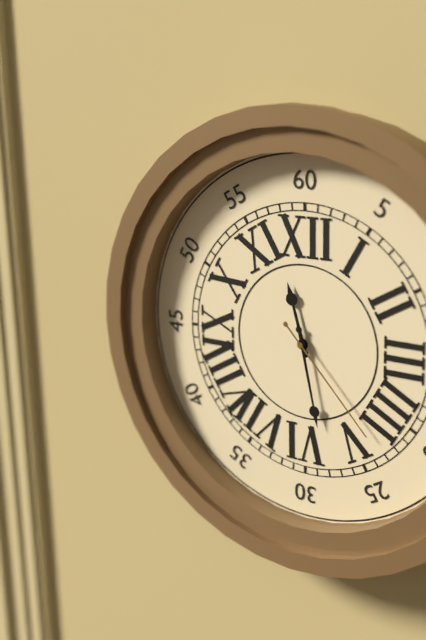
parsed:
**11:28:23**
